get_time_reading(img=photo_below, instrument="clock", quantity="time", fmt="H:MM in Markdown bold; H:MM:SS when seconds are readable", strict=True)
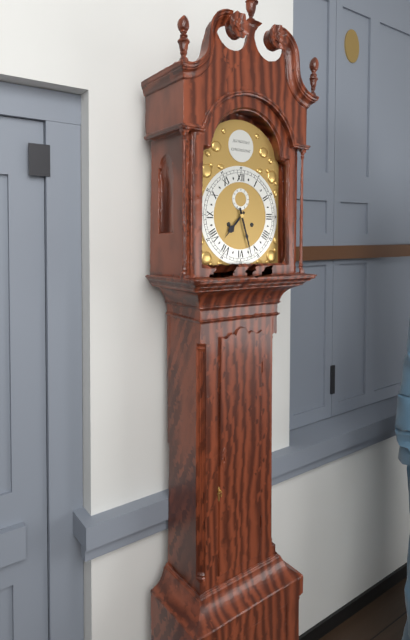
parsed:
**7:27**
